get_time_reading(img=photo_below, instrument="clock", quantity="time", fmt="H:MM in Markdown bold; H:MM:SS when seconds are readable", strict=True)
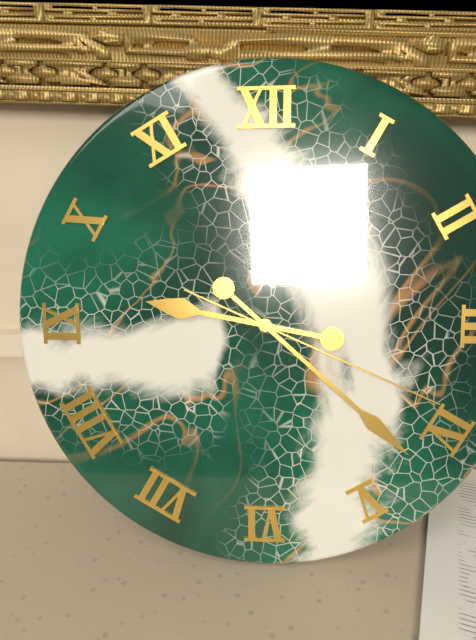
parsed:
**9:22:19**
